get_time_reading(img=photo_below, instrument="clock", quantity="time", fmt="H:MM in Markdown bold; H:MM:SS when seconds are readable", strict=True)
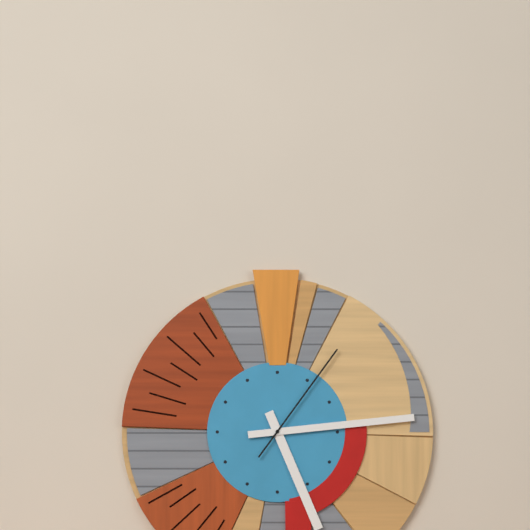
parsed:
**5:14:06**
